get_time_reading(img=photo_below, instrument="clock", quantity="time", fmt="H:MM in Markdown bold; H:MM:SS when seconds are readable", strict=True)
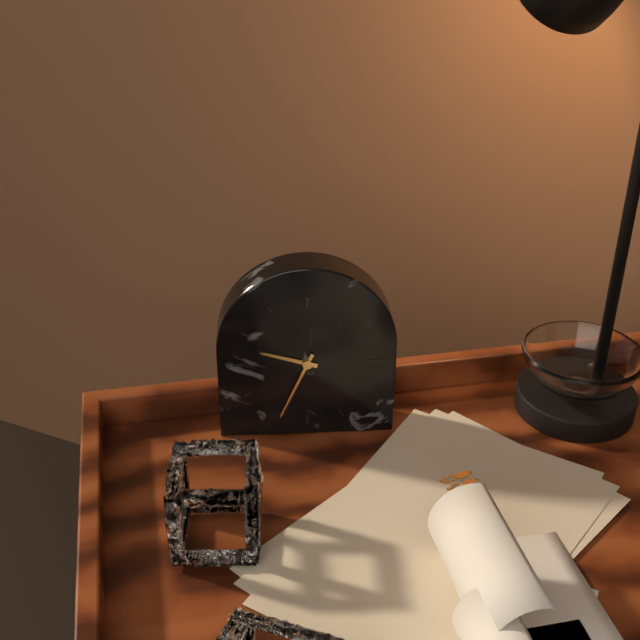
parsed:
**9:34**
